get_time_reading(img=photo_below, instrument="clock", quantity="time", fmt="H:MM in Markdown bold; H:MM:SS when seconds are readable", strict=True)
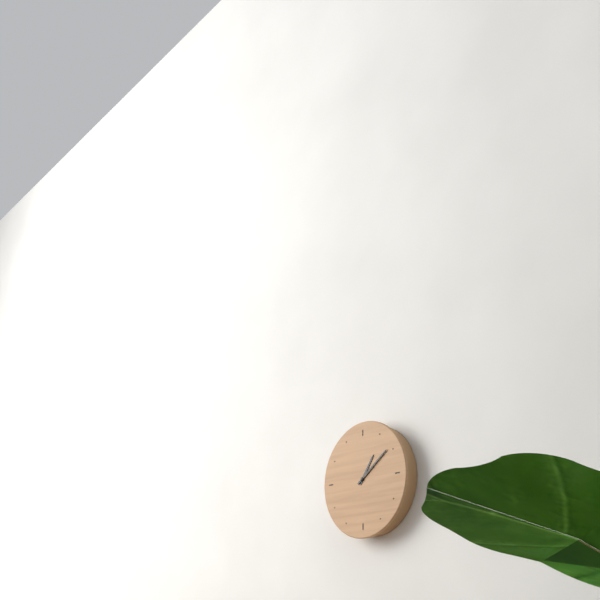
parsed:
**1:09**
